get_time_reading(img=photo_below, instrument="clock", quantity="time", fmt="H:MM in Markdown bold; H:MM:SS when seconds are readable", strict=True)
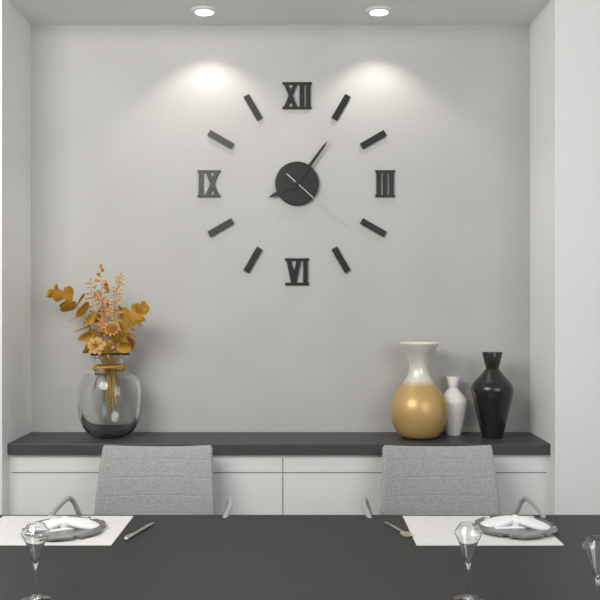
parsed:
**8:06:22**
